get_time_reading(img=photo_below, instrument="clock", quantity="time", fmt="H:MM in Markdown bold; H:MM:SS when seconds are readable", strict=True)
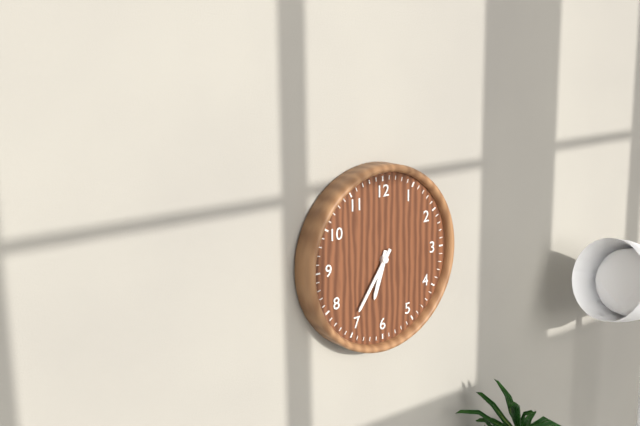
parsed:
**6:36**
